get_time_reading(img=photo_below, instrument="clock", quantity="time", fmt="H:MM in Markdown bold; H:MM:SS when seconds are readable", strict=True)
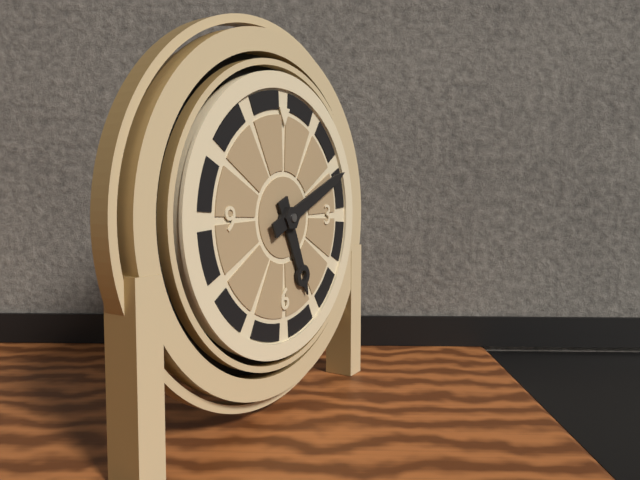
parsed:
**5:11**
